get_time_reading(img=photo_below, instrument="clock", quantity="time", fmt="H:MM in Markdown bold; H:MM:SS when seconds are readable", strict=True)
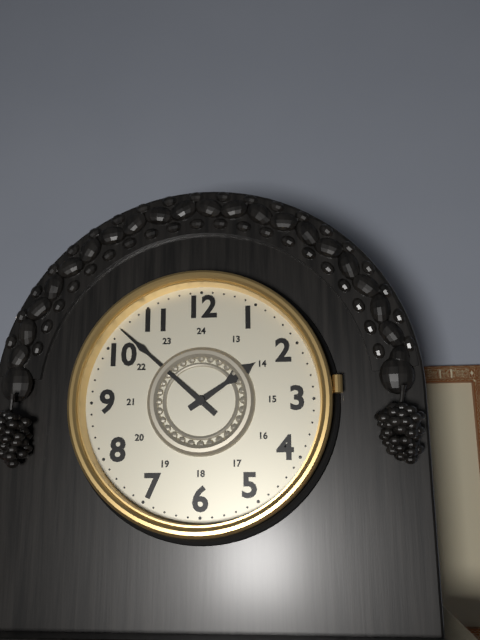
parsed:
**1:52**
